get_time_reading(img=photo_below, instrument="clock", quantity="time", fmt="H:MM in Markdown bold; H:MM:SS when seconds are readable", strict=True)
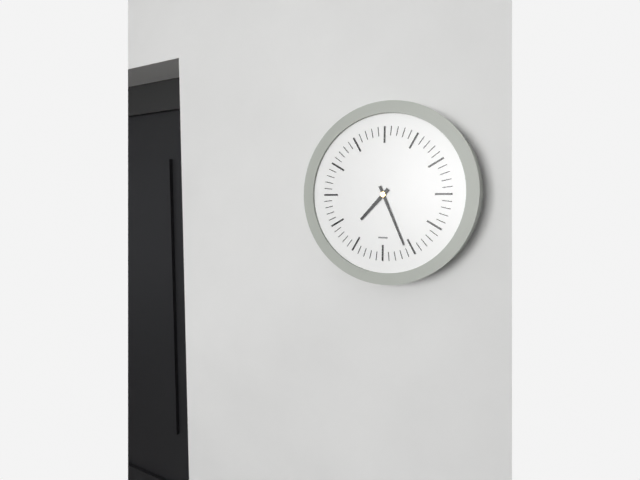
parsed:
**7:26**
